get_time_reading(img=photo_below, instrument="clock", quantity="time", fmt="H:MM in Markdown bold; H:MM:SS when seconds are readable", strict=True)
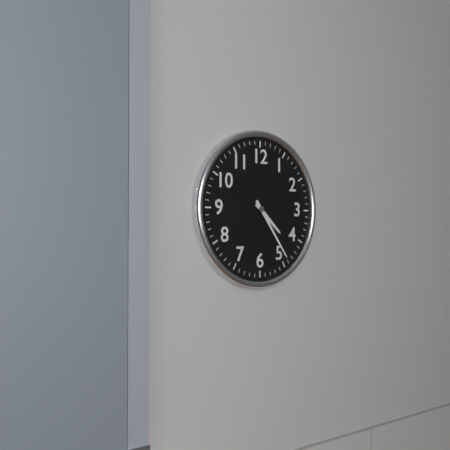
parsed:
**4:24**
